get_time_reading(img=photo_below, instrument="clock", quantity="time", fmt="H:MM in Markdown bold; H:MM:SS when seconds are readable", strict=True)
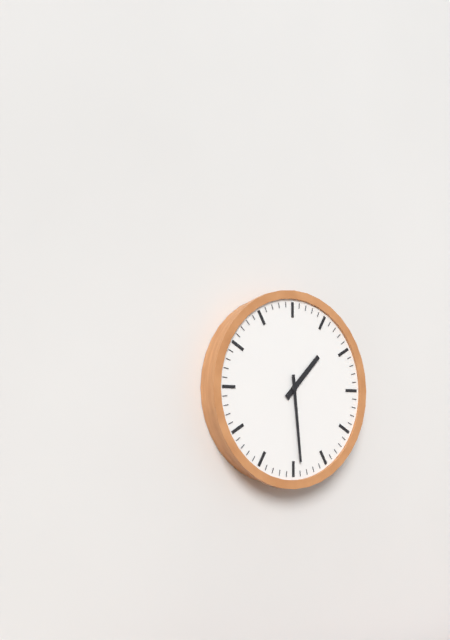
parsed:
**1:29**
